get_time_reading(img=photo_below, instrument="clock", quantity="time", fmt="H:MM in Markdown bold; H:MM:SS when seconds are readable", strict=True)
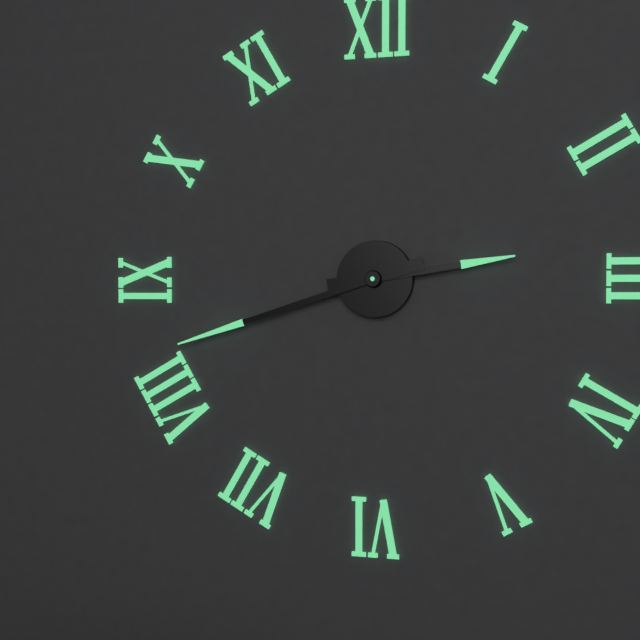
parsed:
**2:42**
